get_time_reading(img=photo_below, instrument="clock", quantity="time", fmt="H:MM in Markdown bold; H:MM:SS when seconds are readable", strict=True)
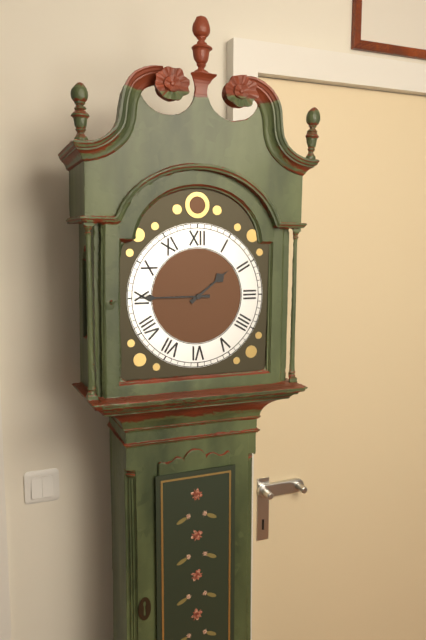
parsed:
**1:45**
